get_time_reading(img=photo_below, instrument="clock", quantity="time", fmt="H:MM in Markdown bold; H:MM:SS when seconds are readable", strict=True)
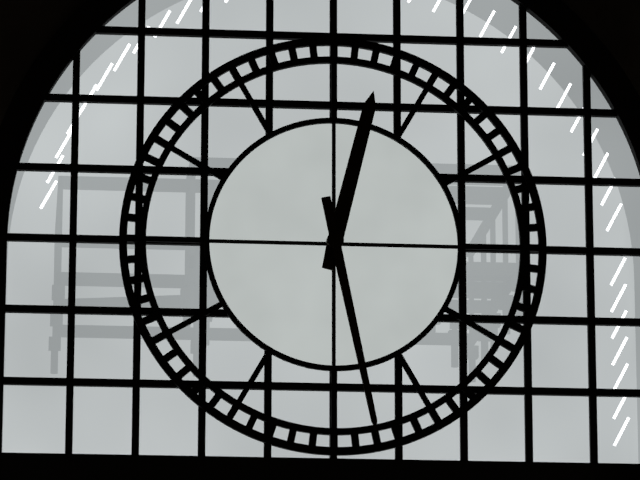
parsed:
**12:28**
